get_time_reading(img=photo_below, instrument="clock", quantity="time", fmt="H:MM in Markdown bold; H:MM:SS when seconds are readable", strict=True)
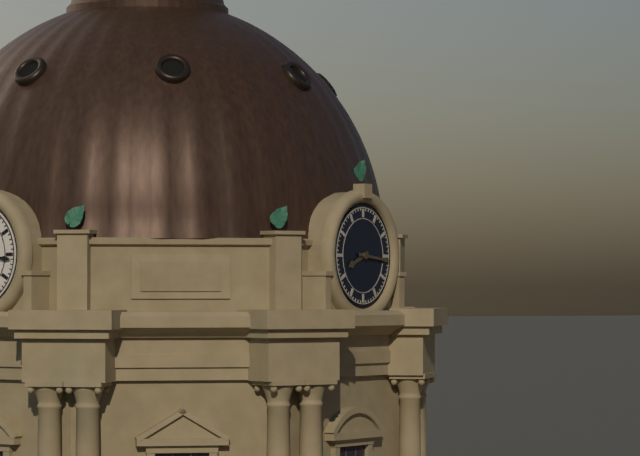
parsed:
**8:16**
